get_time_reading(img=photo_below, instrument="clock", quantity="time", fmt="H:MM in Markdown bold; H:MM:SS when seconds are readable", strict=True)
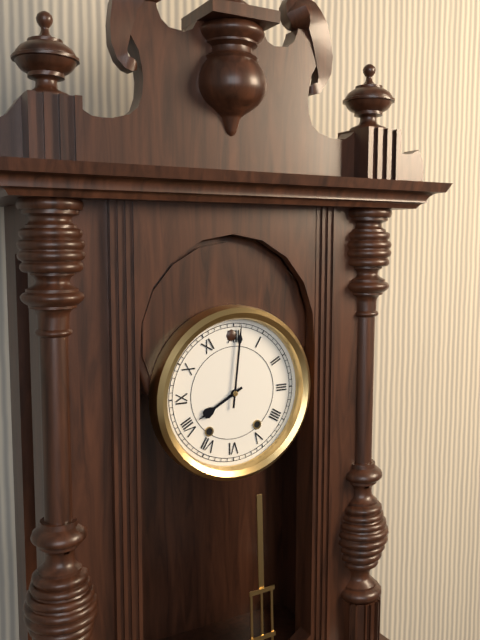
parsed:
**8:01**
